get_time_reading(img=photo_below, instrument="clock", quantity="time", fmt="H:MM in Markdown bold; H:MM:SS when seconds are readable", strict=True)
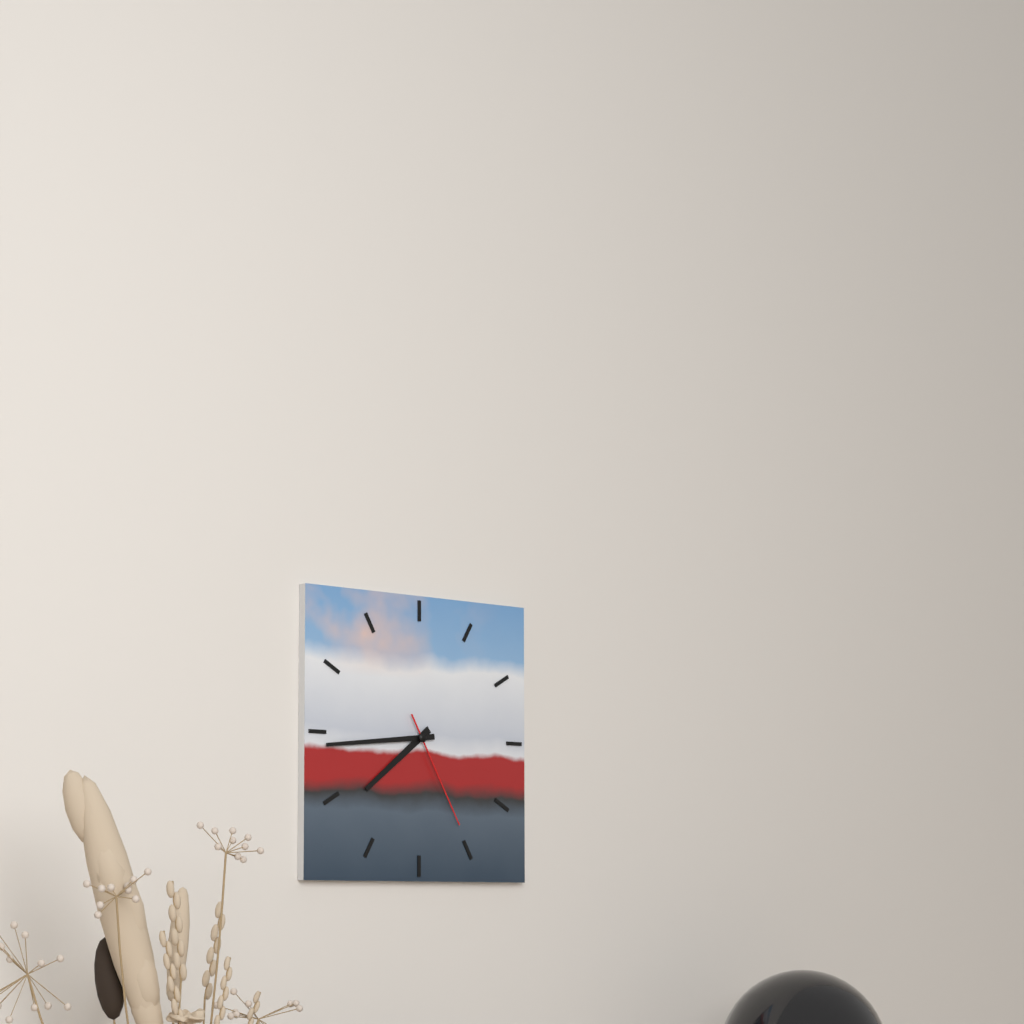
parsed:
**7:44:25**
